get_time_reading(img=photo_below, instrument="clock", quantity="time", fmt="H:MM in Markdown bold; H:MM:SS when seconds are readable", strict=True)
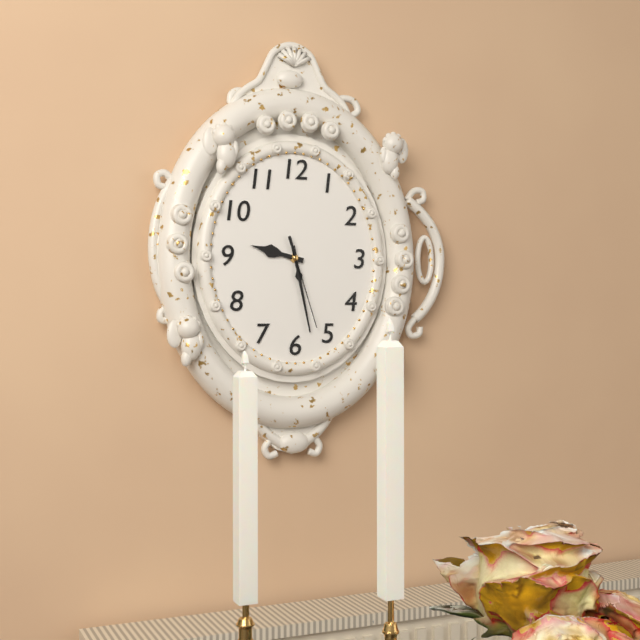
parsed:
**9:28:27**
